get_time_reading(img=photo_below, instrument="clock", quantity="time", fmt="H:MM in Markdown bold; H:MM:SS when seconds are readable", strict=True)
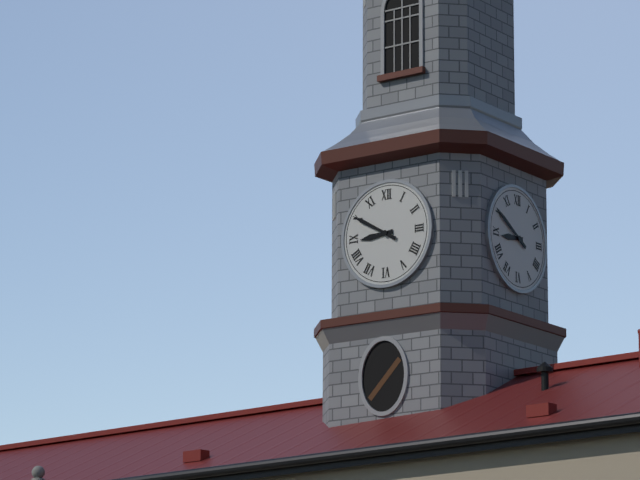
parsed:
**8:50**
